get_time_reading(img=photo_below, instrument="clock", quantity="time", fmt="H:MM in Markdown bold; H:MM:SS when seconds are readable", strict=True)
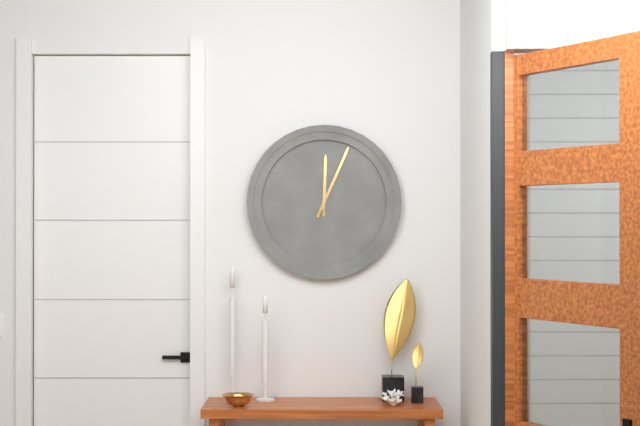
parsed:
**12:04**
